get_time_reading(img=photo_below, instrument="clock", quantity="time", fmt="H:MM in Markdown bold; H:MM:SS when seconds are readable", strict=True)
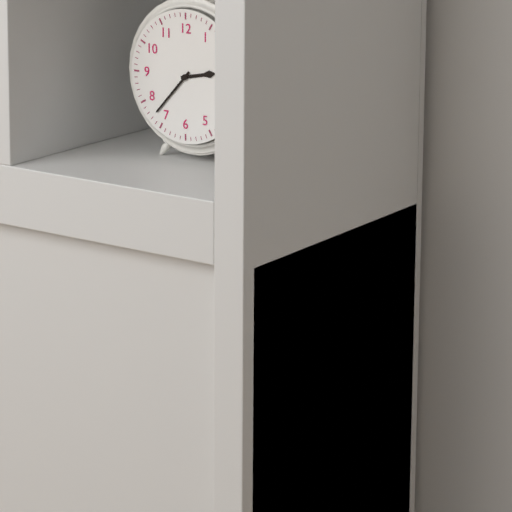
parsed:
**2:37**
